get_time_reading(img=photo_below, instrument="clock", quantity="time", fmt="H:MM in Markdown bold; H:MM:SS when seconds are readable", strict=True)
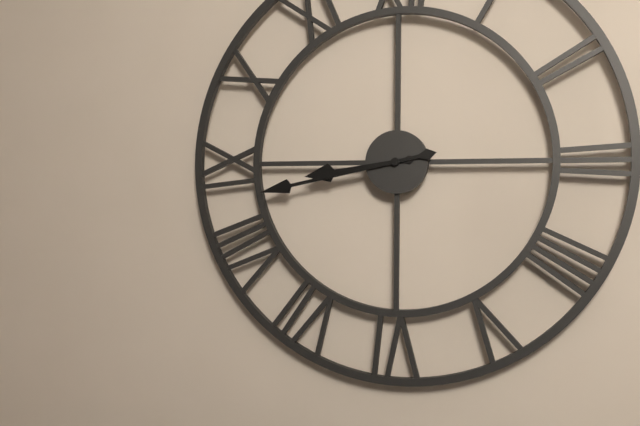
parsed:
**8:43**
